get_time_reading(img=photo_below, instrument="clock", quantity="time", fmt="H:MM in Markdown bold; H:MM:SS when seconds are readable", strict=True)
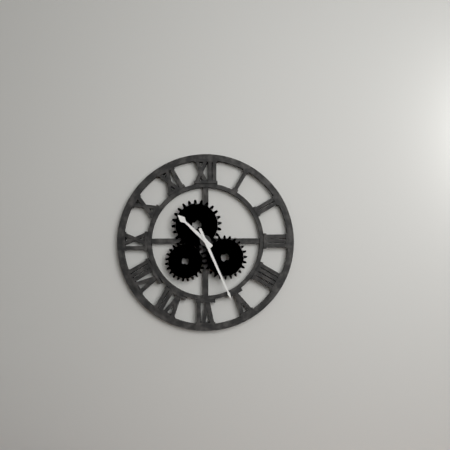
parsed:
**10:26**
